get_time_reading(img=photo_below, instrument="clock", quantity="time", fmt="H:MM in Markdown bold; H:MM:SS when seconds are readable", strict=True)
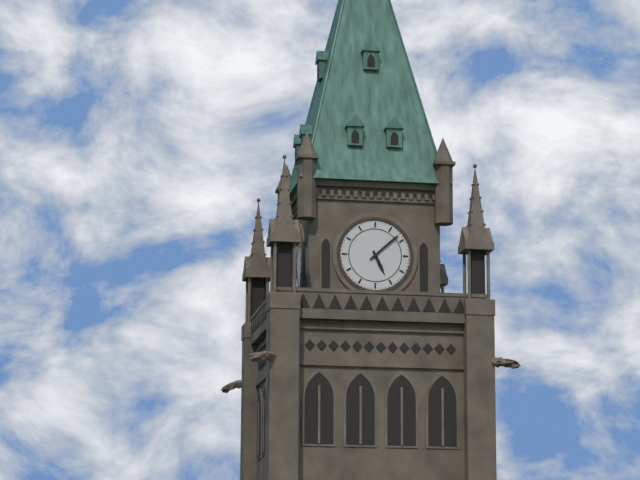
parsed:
**5:08**
